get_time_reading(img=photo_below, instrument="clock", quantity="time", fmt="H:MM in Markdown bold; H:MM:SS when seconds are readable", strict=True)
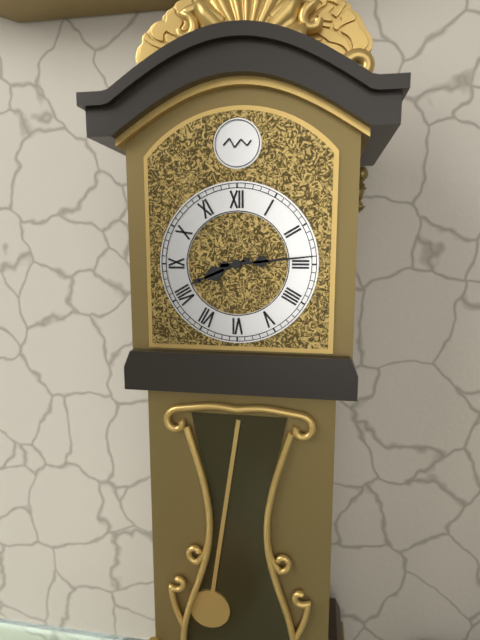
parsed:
**8:14**
